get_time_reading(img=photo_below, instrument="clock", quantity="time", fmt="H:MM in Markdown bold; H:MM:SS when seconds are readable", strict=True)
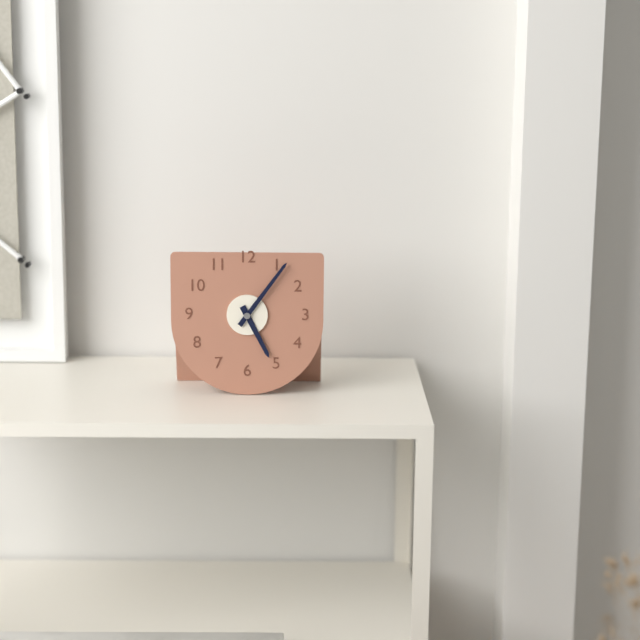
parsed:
**5:06**
